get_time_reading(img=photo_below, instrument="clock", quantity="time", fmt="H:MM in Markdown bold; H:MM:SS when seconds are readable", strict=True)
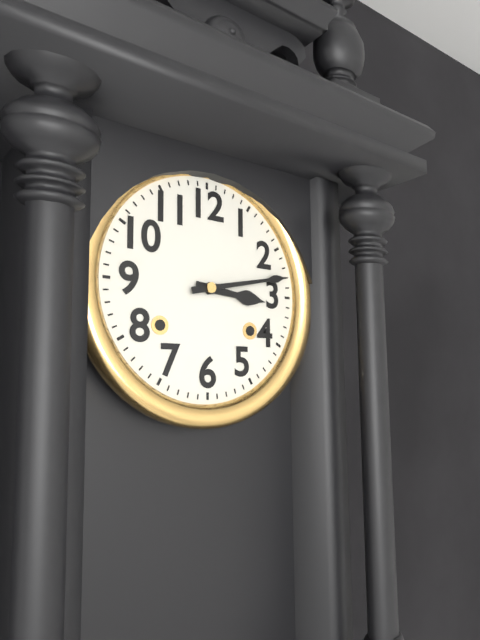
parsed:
**3:13**
